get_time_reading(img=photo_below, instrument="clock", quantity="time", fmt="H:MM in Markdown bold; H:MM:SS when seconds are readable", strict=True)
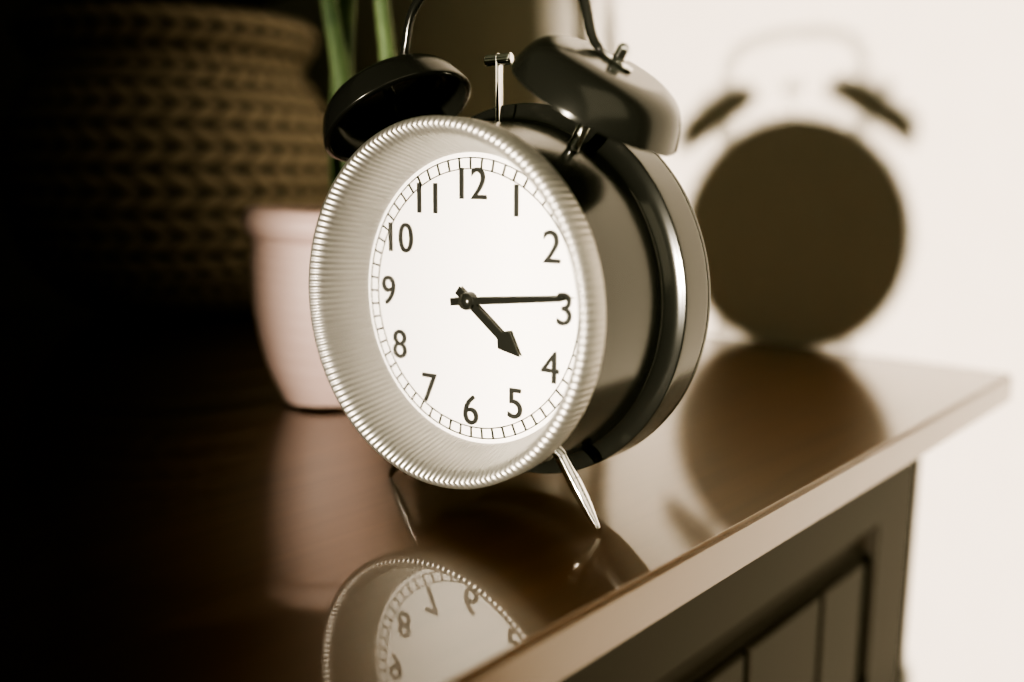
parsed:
**4:14**
